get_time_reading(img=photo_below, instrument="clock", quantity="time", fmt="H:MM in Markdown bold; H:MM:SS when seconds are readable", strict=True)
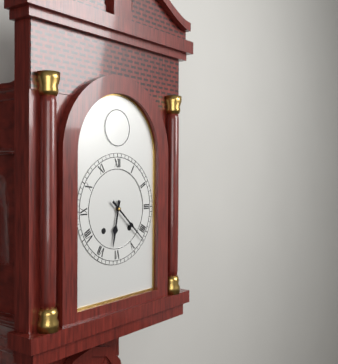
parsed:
**6:22**
